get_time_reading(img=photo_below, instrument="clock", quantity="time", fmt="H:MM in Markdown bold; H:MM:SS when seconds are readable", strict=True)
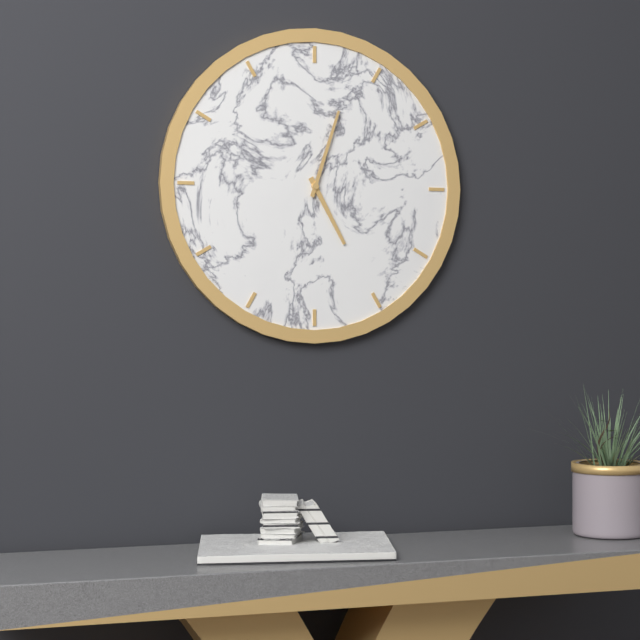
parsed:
**5:03**
